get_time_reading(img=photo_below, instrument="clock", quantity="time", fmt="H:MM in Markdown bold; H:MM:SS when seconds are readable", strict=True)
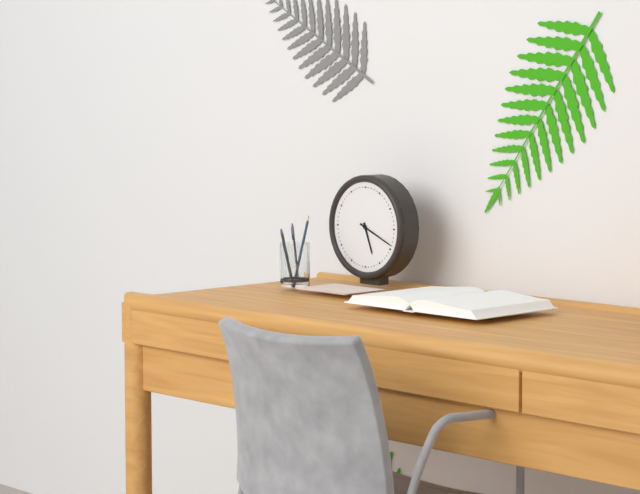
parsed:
**5:19**
